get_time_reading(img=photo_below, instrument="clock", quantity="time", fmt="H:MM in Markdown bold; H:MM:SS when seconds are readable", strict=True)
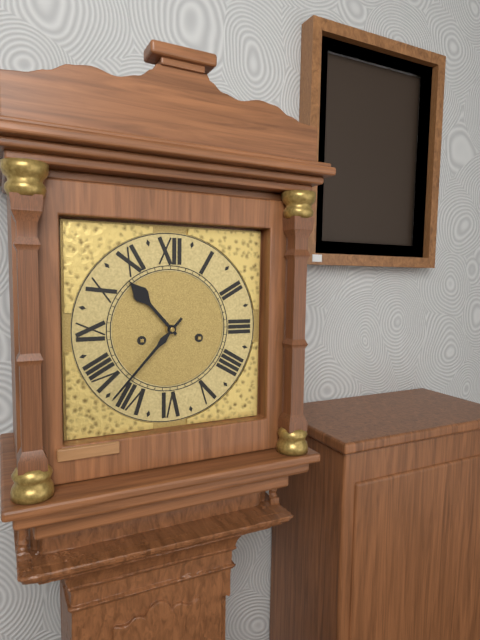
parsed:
**10:37**
